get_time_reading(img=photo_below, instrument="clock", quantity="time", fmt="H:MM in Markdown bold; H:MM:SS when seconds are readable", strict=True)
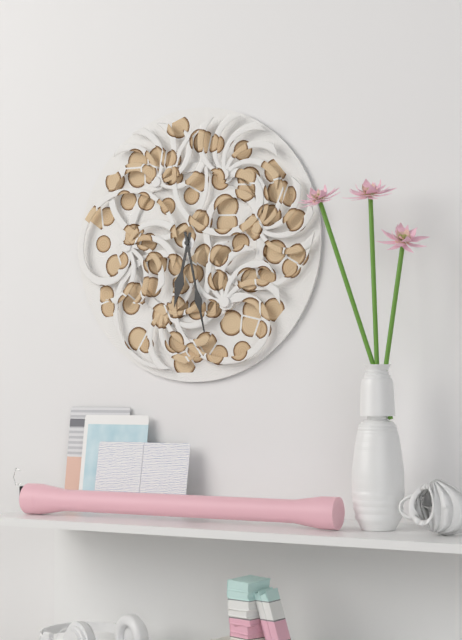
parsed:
**6:28**
